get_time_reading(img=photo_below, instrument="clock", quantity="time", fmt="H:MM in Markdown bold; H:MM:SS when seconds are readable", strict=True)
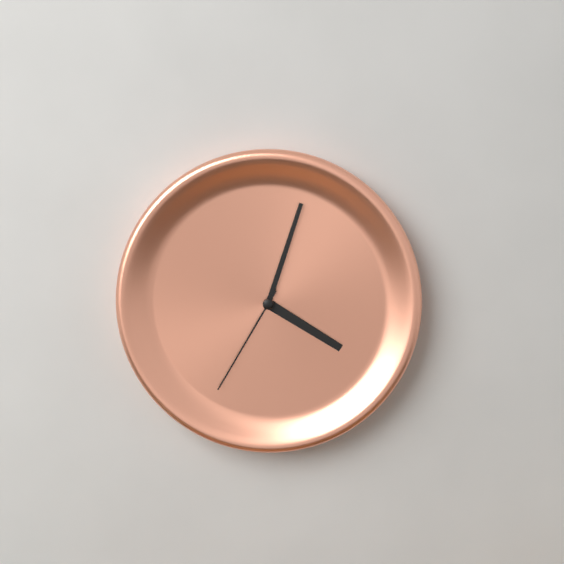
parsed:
**4:03:35**
